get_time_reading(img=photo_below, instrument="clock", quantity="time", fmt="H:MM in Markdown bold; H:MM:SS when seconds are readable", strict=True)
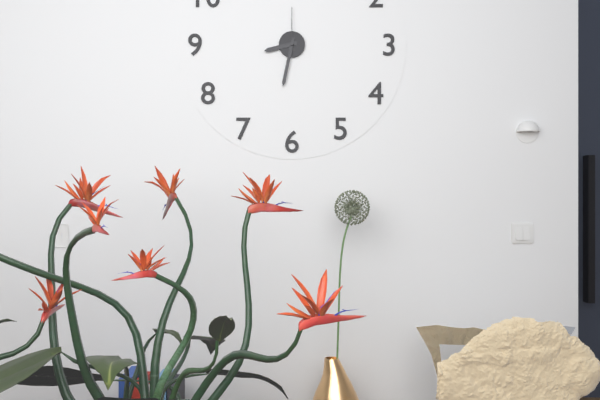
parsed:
**8:32**
